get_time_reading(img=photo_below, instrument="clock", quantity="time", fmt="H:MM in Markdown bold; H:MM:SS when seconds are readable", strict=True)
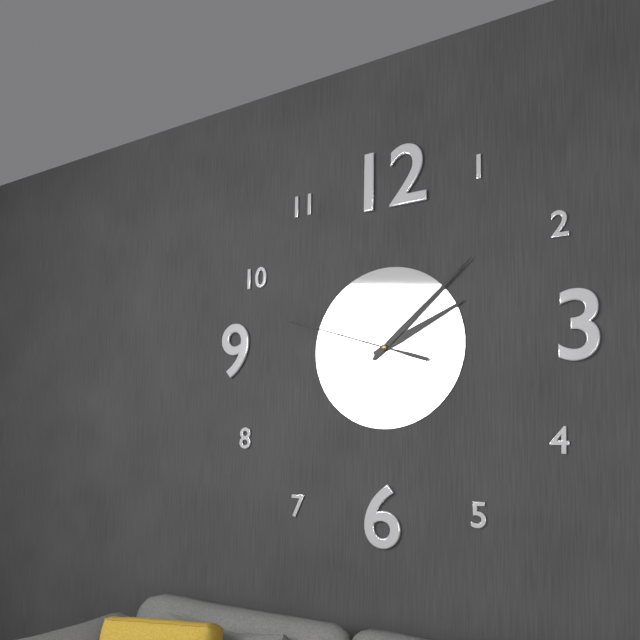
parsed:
**2:08:48**
